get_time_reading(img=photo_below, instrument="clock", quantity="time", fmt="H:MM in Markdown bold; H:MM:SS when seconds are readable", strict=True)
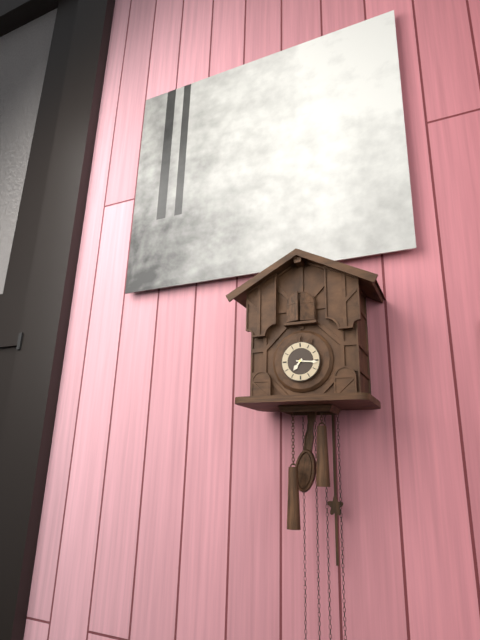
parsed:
**7:16**
